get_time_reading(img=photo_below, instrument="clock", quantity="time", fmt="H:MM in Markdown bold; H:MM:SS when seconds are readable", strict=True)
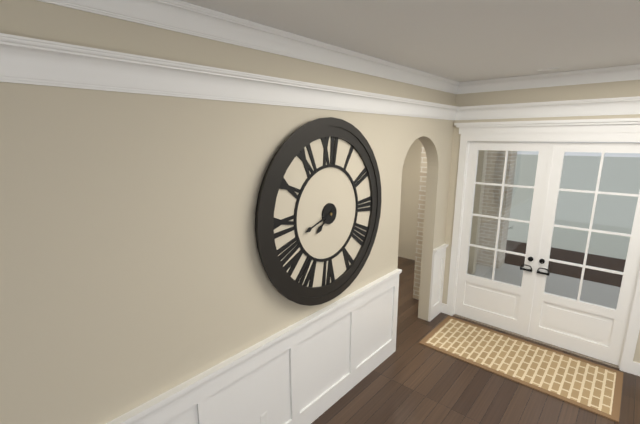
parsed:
**7:42**
